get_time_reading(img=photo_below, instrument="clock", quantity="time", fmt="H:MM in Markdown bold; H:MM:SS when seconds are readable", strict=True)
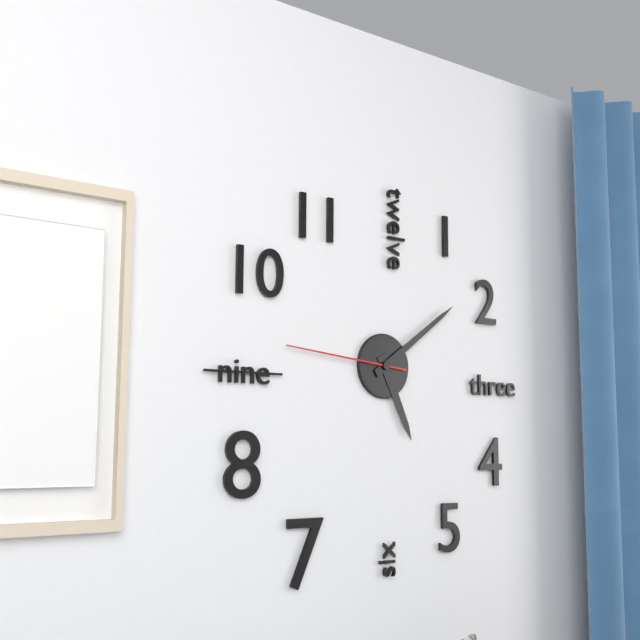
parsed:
**5:09:46**
